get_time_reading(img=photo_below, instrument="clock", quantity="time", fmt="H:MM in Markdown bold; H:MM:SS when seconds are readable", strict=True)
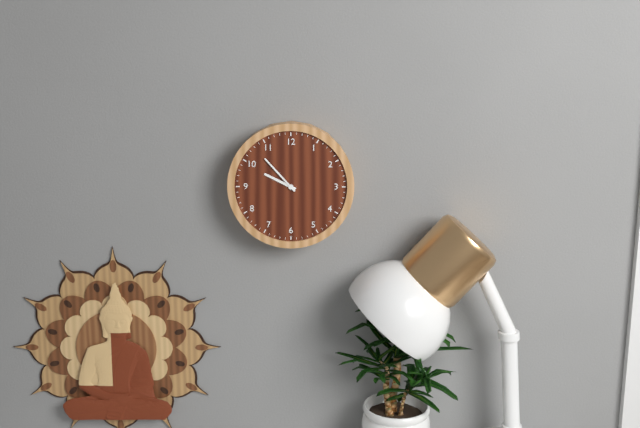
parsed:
**9:53**
